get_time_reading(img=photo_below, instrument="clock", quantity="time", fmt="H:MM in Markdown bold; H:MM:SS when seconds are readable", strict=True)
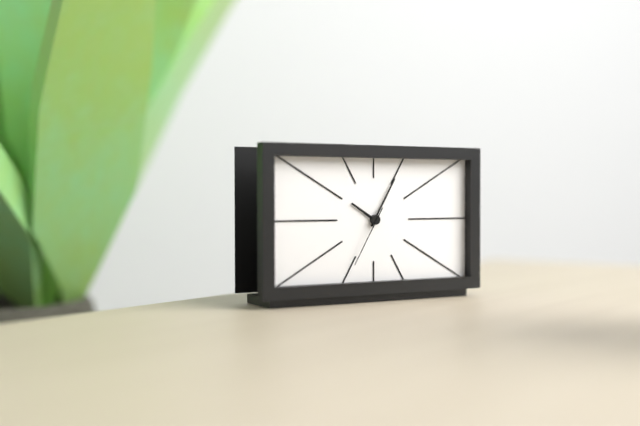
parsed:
**10:05:35**
